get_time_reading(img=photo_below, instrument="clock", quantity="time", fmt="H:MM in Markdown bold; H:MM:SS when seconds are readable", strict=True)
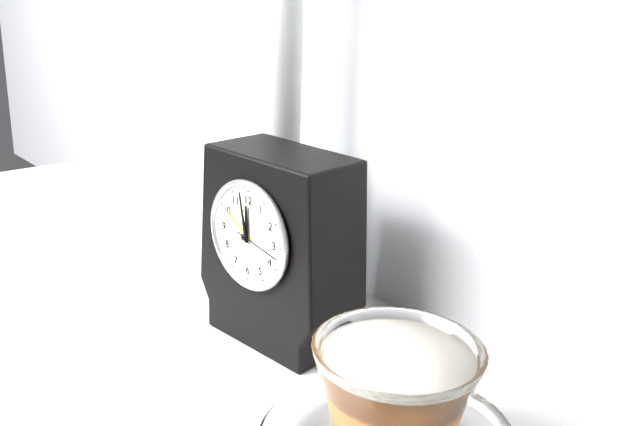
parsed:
**11:58:17**
